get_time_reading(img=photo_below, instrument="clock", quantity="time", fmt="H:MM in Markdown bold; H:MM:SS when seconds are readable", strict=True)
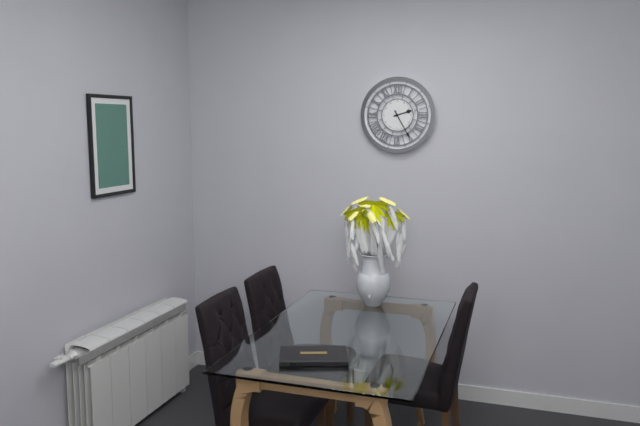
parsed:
**2:25**
